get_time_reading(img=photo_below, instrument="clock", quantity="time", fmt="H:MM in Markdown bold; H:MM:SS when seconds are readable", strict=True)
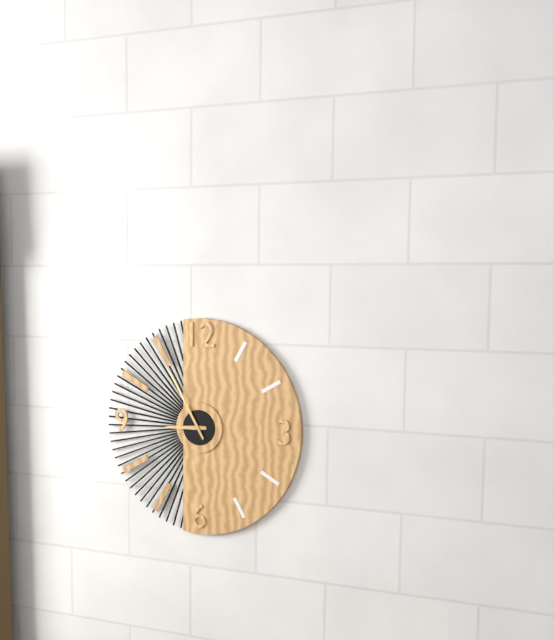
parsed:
**8:55**
